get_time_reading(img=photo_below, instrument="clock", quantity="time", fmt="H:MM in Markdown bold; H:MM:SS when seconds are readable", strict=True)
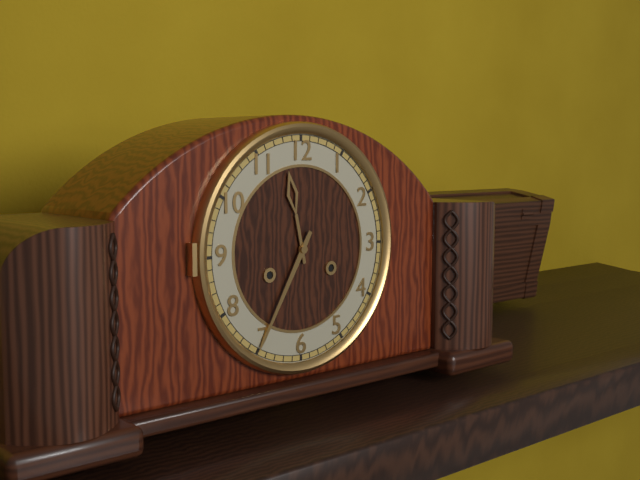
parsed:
**11:35**
